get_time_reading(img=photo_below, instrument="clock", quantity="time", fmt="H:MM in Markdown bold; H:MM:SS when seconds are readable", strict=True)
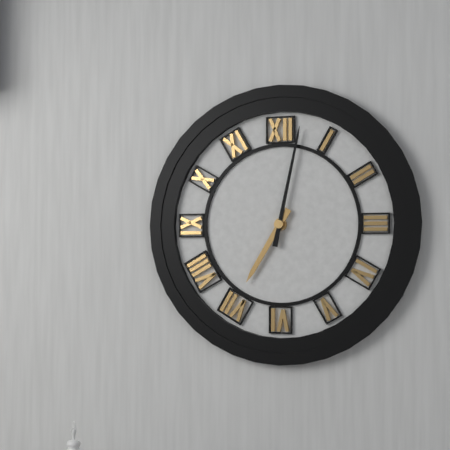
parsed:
**7:02**
